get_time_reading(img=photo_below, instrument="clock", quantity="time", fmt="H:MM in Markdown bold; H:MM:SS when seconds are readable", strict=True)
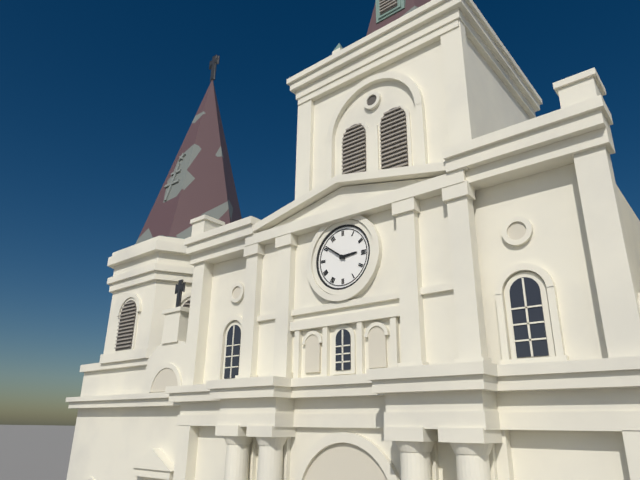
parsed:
**2:51**
